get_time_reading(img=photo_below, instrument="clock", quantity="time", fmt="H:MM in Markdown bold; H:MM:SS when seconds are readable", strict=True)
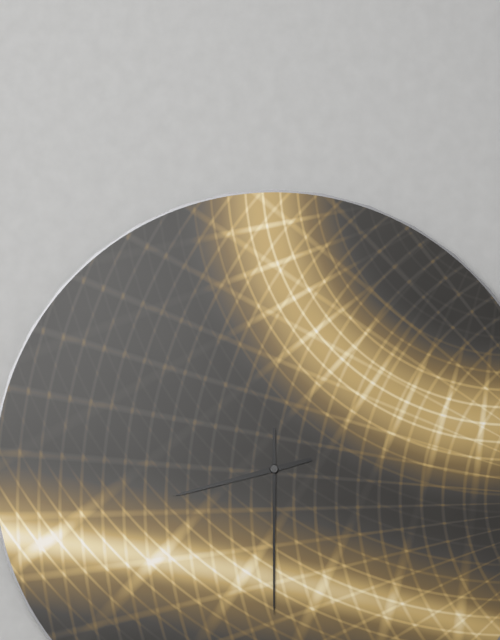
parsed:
**8:30**
